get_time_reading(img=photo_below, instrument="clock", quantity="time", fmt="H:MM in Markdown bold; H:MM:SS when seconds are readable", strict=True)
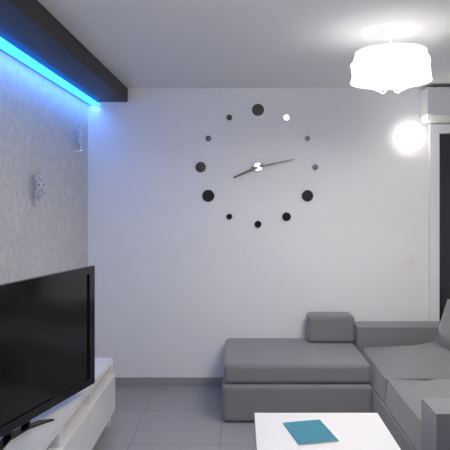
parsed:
**8:13**
